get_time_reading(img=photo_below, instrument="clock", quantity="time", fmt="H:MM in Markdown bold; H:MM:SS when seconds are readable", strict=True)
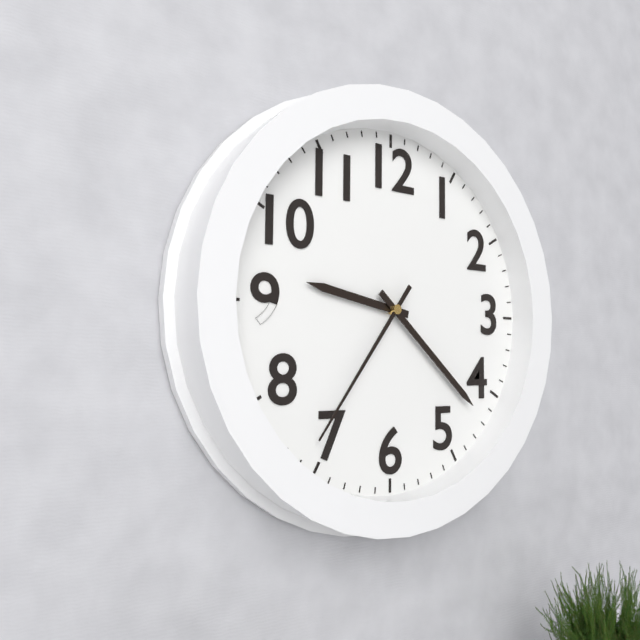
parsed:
**9:22:36**
